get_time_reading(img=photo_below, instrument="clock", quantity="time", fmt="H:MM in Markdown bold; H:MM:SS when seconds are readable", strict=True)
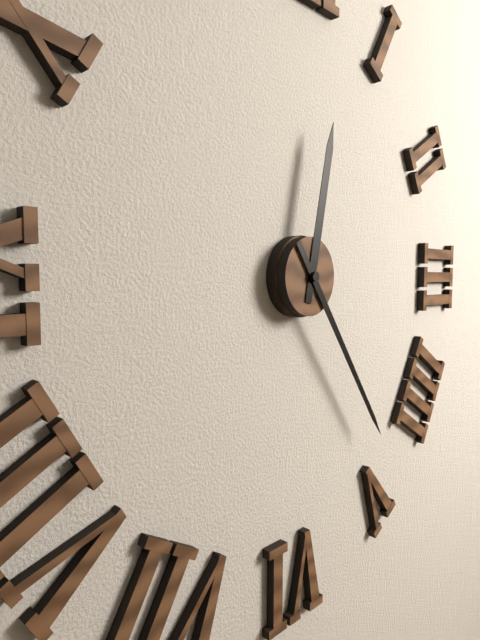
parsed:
**12:24**
